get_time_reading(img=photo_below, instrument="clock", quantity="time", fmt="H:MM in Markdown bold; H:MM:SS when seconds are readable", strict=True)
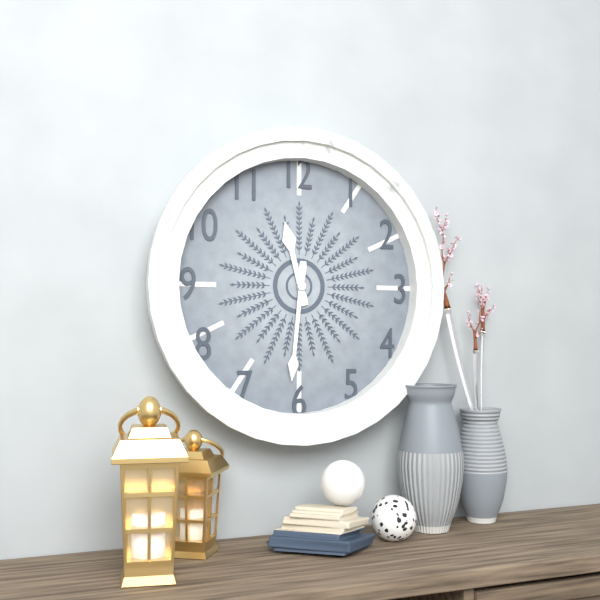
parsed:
**11:31**
